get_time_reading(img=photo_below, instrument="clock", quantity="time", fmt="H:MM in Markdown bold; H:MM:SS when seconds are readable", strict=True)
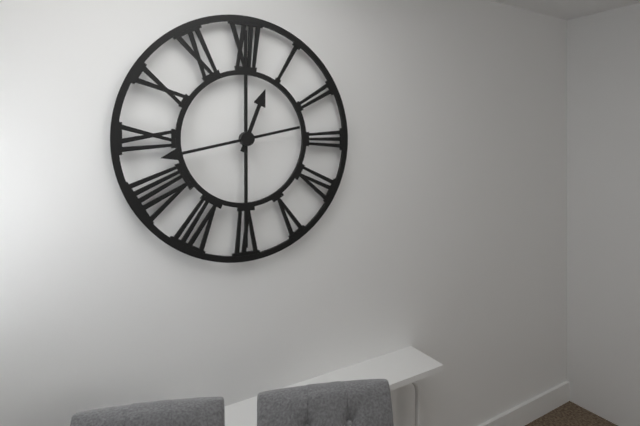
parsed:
**12:43**
